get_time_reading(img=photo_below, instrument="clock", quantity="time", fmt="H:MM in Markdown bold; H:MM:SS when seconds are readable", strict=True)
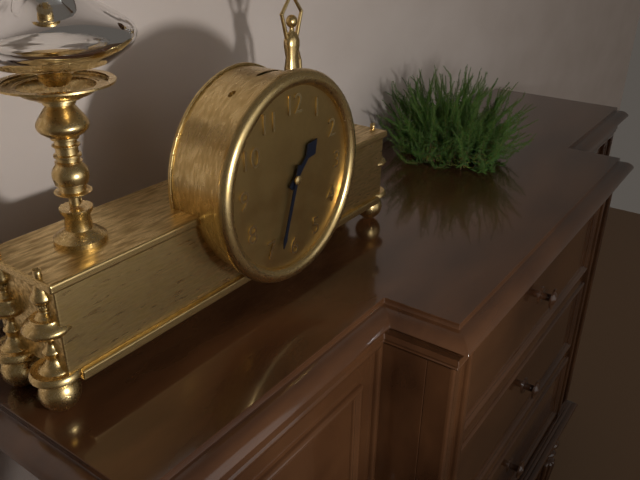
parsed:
**1:33**
